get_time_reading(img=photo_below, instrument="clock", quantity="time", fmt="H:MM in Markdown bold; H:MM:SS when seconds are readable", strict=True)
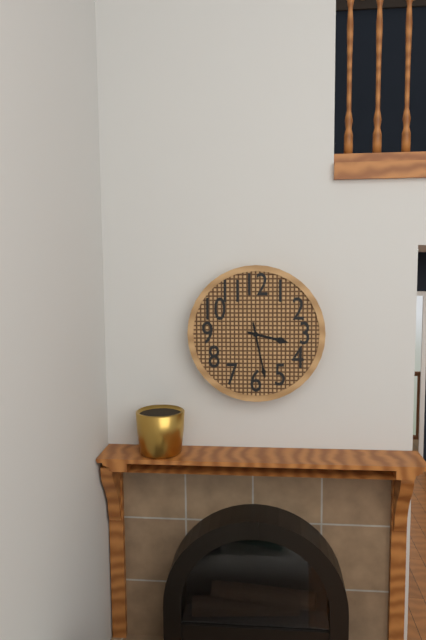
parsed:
**3:28**
